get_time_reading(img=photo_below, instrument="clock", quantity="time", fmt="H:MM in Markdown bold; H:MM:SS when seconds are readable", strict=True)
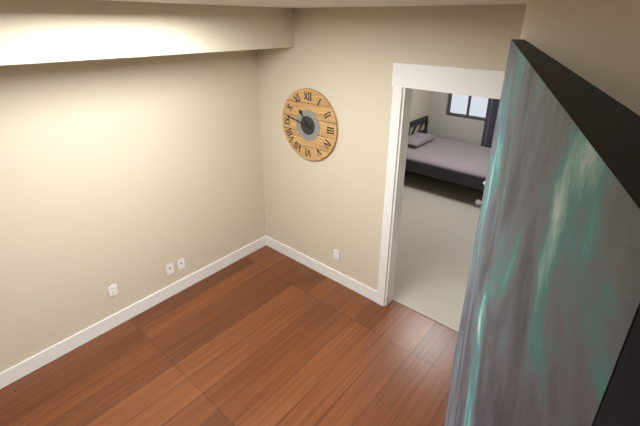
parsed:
**10:47**
